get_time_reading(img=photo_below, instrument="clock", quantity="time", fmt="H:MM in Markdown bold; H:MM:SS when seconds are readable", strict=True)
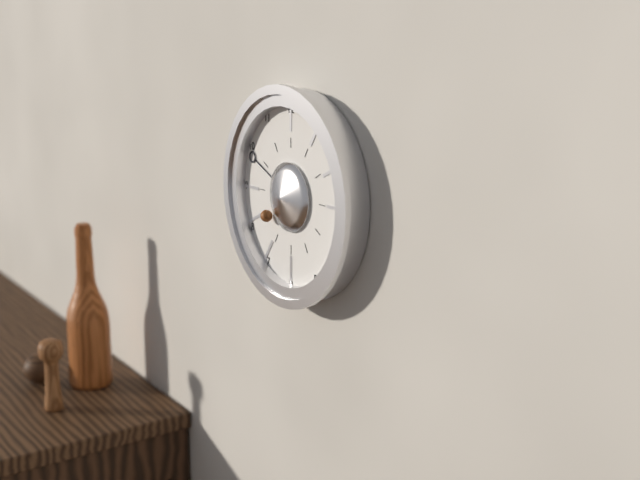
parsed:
**7:49**
